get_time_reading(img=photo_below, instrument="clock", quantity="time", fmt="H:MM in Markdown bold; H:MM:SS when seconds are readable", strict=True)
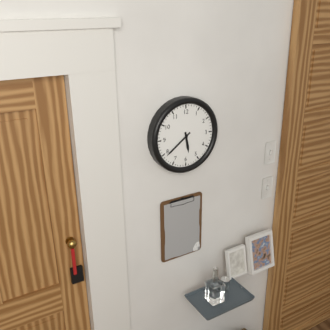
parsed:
**5:39**
